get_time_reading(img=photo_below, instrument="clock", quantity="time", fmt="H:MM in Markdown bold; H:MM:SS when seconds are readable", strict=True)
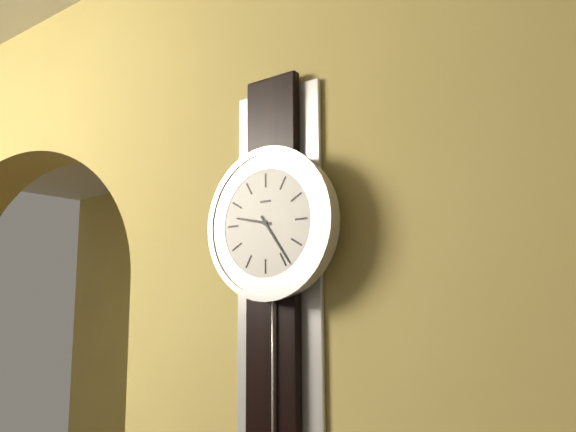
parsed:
**9:24**
